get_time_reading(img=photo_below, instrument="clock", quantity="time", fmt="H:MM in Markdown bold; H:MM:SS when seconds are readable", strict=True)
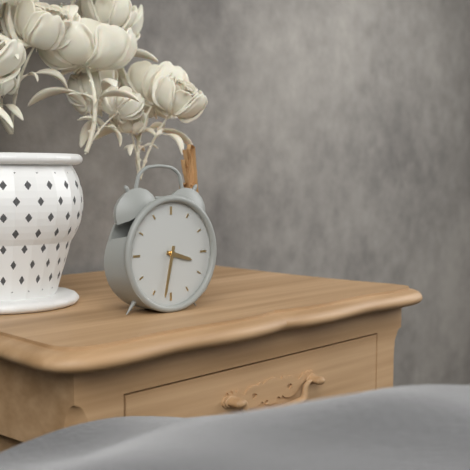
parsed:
**3:32**
